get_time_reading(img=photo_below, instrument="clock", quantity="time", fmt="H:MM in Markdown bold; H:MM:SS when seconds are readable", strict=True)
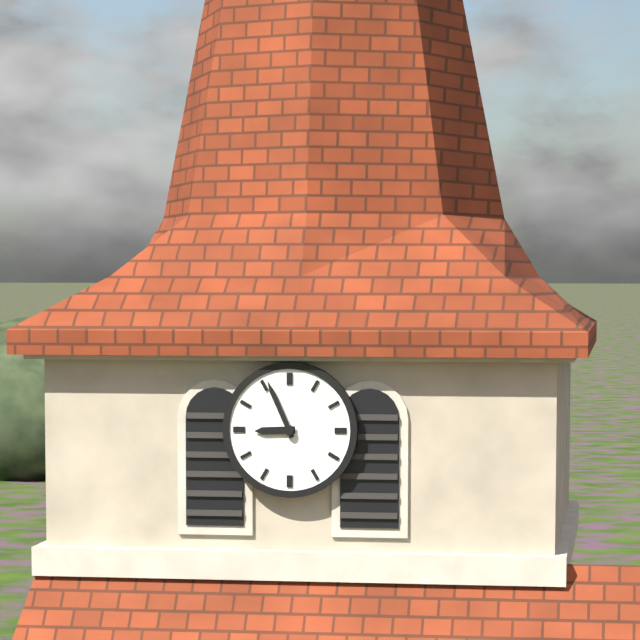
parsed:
**8:56**
